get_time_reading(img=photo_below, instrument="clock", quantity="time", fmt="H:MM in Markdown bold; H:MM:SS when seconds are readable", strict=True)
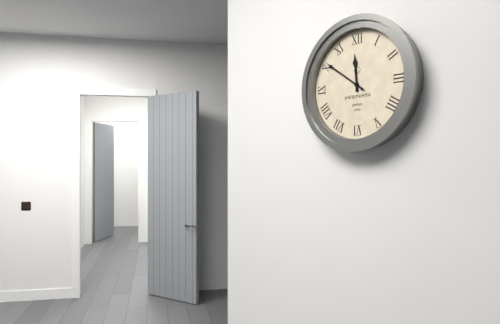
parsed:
**11:51**
